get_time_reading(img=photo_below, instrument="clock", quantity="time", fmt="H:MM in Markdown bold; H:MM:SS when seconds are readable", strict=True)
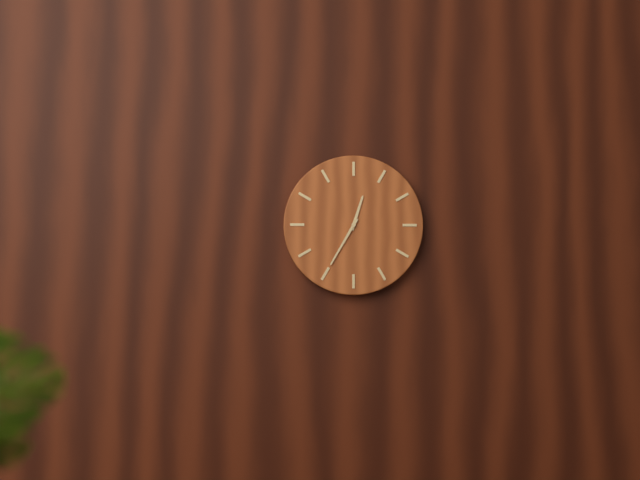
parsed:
**12:35**
